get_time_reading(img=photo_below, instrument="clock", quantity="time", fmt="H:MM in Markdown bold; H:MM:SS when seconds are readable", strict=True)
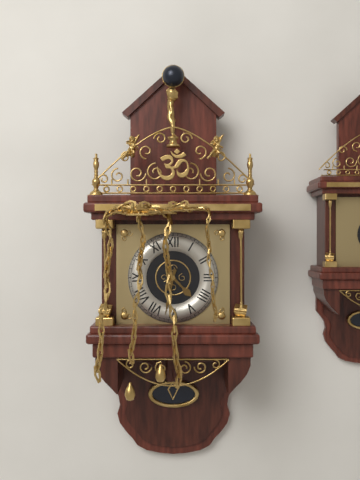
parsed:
**4:32**
